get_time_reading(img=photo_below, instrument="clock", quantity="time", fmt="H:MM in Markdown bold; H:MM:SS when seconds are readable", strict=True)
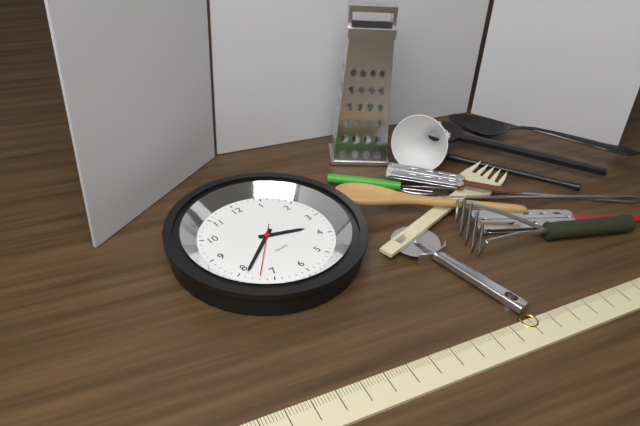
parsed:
**3:39**
